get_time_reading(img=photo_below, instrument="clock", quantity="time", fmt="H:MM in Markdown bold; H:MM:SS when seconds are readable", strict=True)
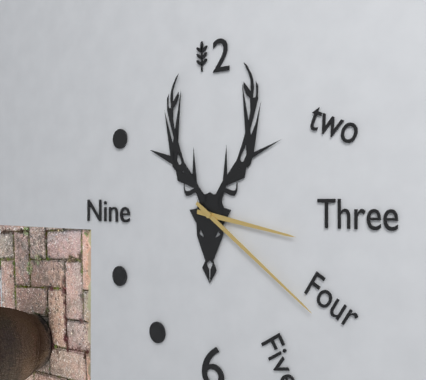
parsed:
**3:21**
